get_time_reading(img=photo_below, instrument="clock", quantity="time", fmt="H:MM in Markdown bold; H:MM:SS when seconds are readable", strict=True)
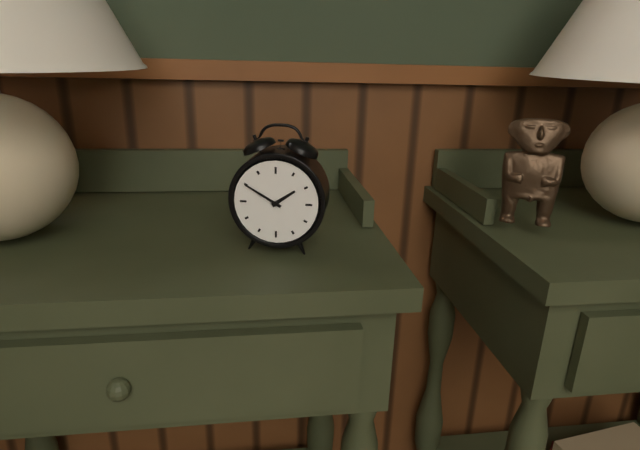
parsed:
**1:50**
